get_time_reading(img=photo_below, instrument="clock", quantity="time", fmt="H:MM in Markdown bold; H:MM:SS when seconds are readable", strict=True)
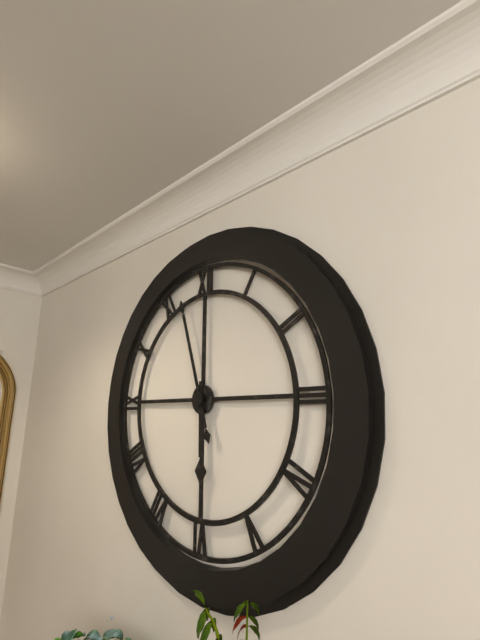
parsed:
**5:57**
